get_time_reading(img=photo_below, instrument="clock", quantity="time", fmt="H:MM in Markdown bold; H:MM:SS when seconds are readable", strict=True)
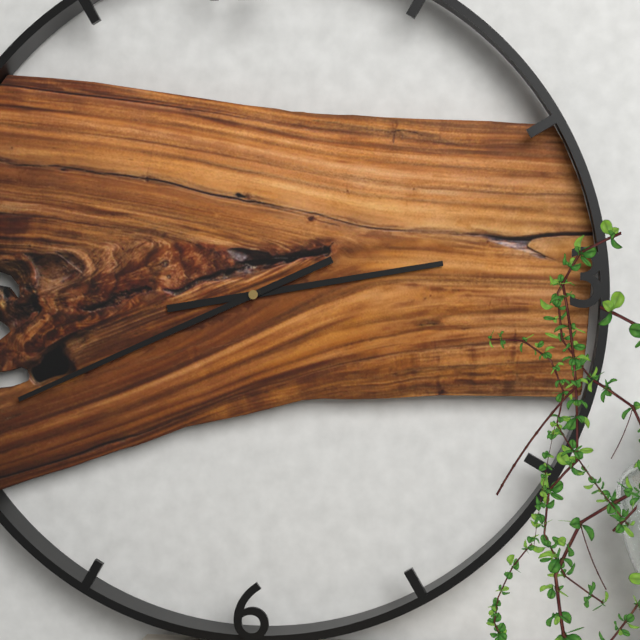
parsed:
**2:41**
